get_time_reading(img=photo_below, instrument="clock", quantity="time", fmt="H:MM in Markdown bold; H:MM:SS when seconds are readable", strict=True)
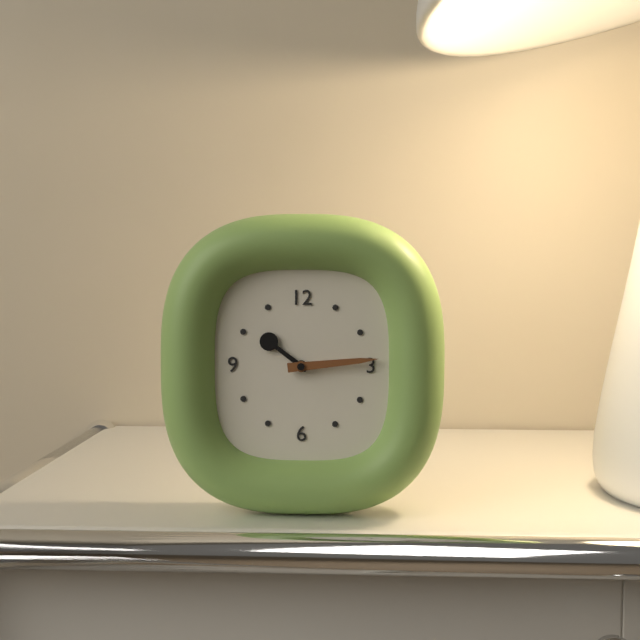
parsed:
**10:14**
